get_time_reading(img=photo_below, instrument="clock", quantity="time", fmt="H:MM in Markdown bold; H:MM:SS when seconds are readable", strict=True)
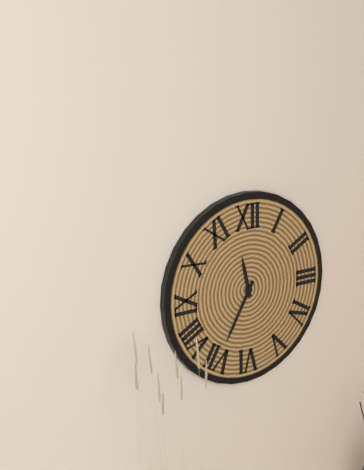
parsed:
**11:35**
